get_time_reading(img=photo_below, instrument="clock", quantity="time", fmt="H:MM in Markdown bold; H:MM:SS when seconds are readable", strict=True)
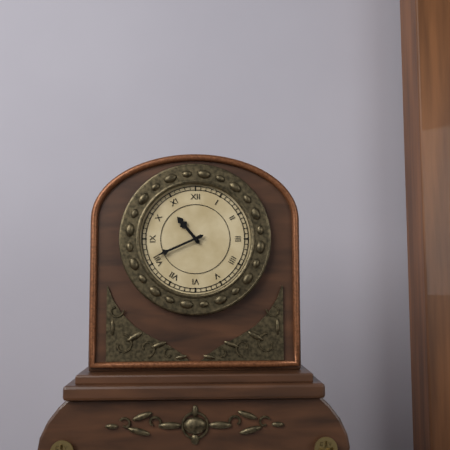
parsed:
**10:41**
